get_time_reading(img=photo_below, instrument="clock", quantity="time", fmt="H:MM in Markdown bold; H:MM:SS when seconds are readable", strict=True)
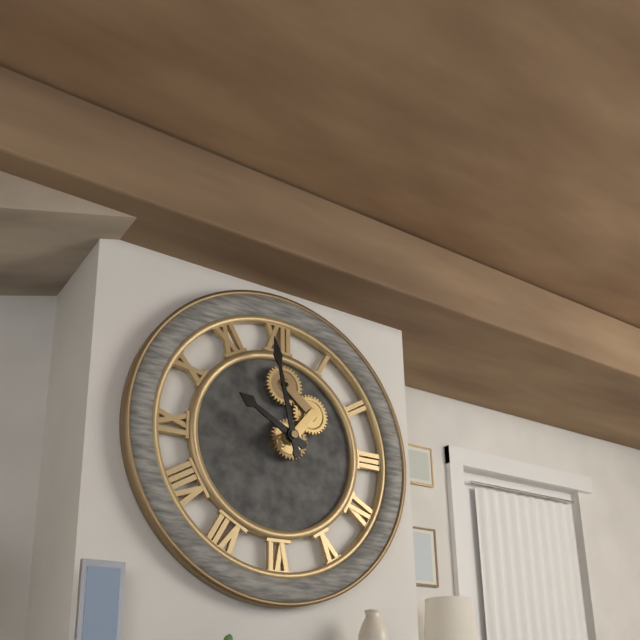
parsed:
**9:58**
